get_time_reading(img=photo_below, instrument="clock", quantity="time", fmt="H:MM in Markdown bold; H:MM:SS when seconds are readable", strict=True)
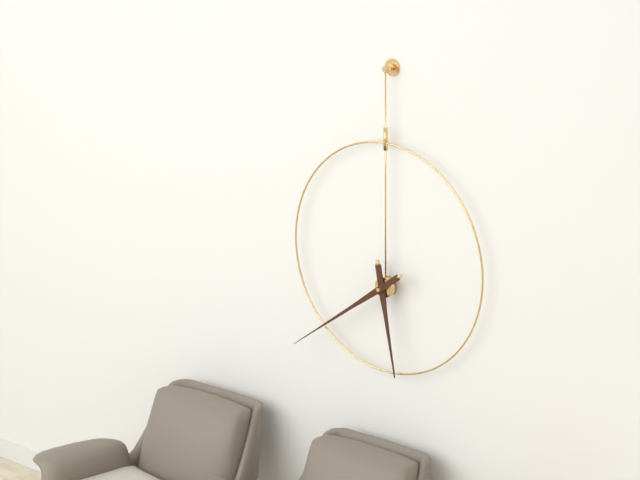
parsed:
**5:39**
